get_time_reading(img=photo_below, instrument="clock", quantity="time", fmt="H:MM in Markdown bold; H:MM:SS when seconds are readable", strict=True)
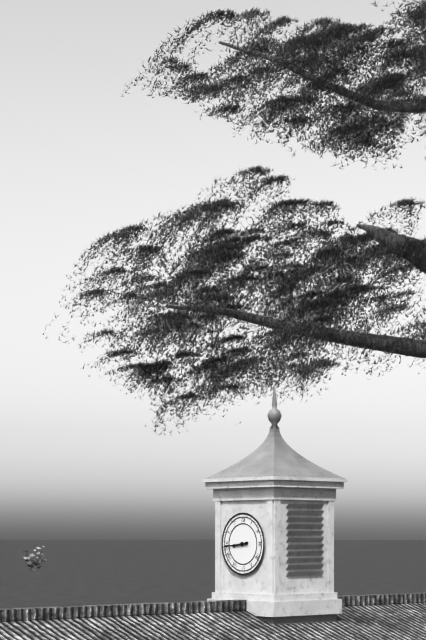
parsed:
**8:44**
